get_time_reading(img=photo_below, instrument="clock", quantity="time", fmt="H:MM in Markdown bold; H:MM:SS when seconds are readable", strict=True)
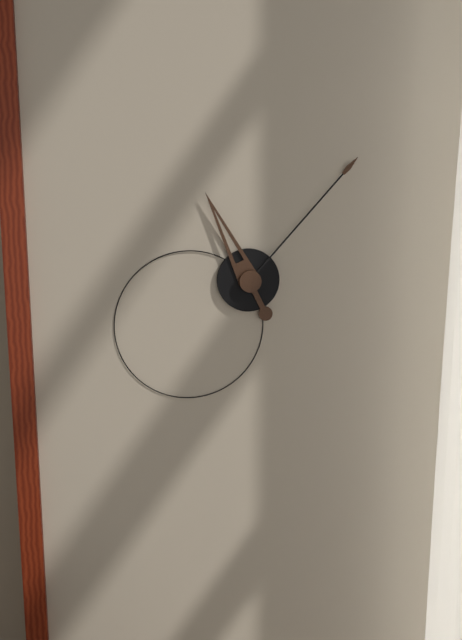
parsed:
**11:07**
